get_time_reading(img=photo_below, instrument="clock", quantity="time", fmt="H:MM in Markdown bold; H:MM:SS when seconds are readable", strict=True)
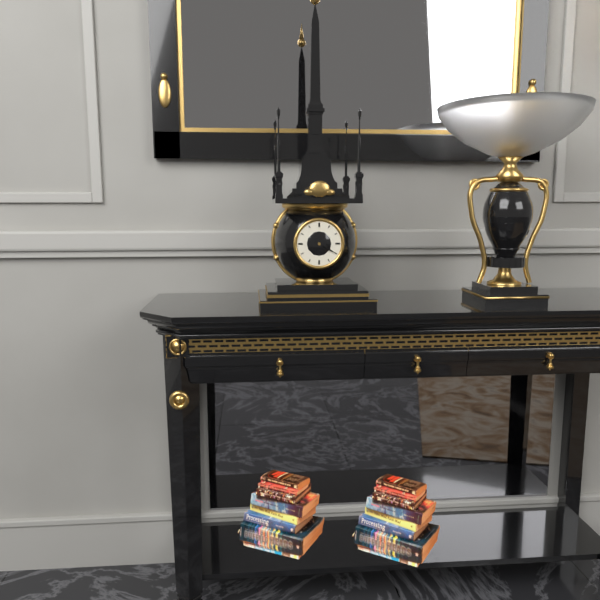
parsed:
**3:20**
